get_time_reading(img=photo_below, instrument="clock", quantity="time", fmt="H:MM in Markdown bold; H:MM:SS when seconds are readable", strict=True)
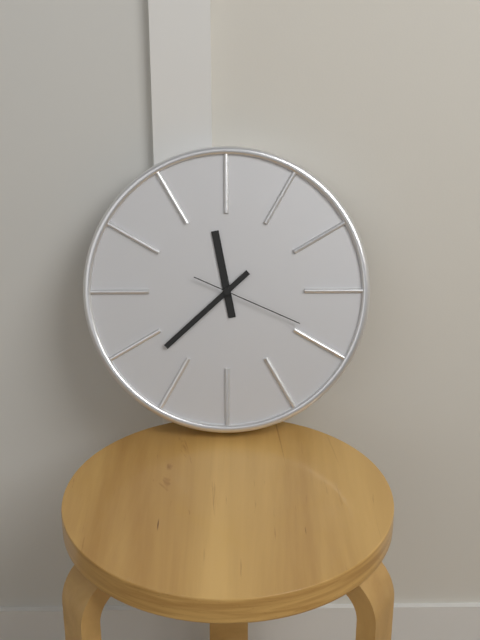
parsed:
**11:38:19**
